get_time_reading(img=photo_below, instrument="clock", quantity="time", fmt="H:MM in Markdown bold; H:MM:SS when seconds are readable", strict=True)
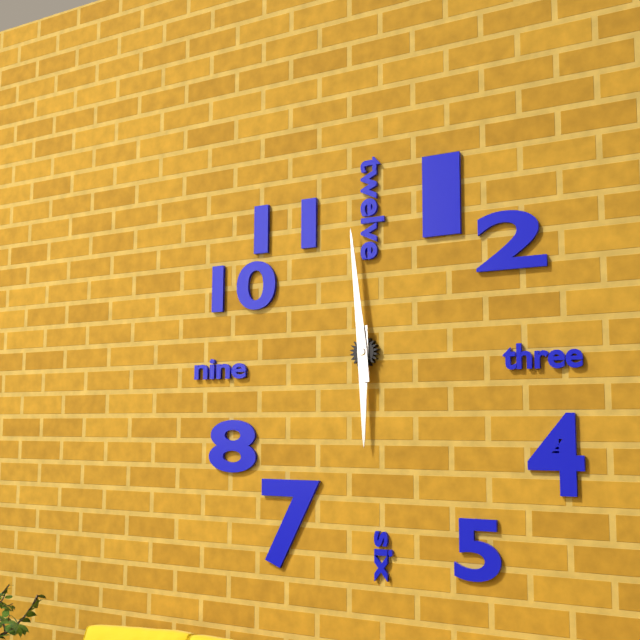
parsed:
**5:59**
